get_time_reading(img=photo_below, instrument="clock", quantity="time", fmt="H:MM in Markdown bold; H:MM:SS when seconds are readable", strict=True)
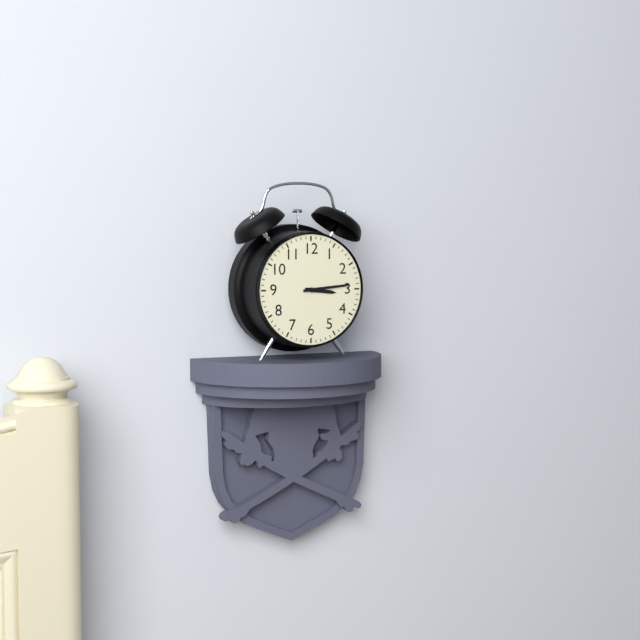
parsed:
**3:14**
